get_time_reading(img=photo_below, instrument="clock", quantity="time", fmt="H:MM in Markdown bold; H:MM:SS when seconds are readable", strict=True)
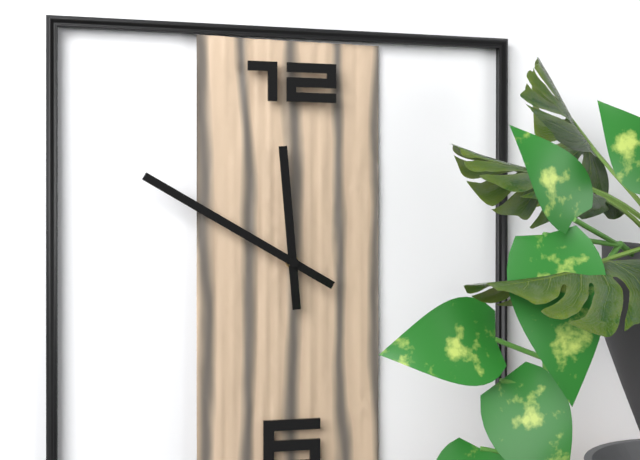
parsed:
**11:50**
